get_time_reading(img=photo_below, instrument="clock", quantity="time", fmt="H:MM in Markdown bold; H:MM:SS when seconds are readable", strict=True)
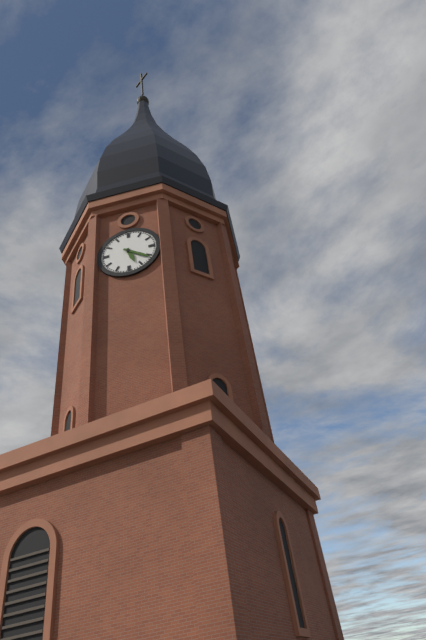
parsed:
**5:21**
